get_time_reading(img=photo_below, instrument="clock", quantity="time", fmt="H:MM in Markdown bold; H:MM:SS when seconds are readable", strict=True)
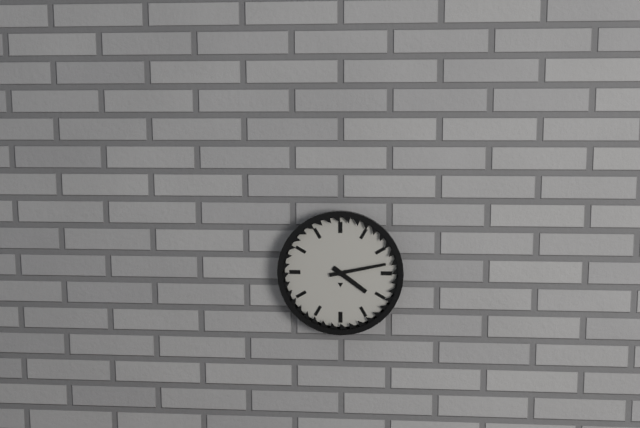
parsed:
**4:13**
